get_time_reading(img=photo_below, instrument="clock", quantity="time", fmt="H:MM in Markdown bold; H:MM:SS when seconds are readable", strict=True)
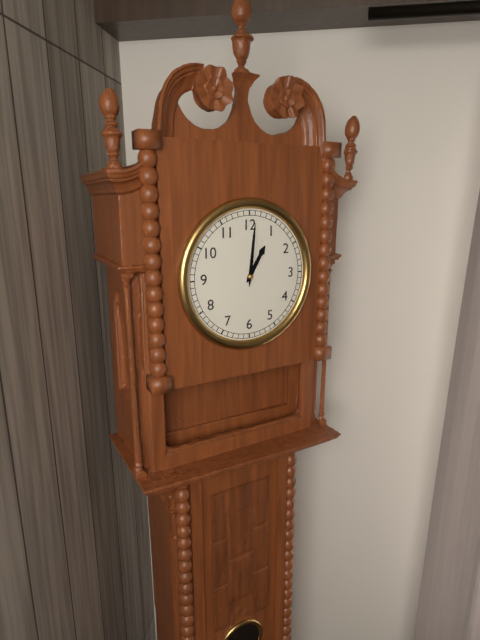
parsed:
**1:01**
